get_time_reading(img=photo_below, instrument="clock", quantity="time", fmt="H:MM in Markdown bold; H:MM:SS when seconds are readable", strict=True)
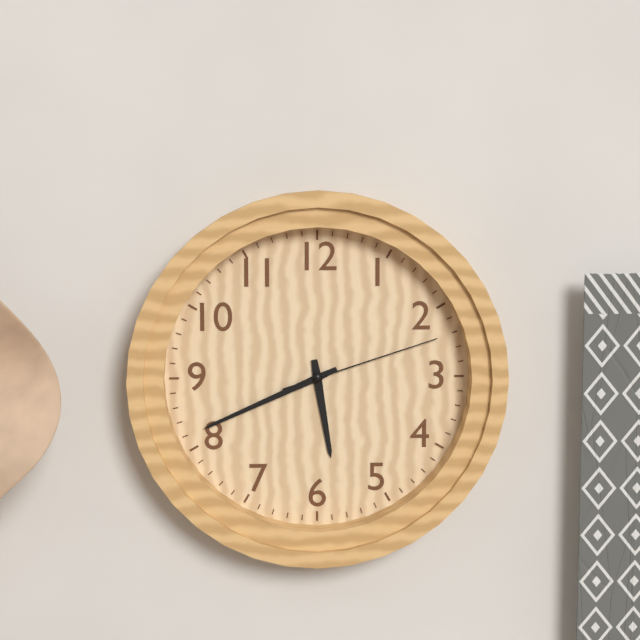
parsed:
**5:41:12**
